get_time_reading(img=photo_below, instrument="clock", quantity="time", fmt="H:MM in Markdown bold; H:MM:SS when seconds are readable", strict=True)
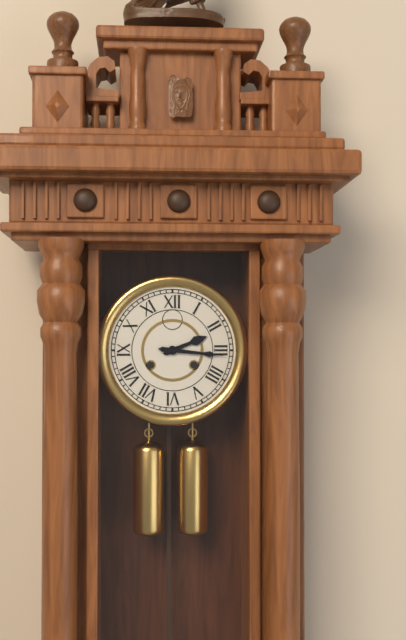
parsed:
**2:16**
